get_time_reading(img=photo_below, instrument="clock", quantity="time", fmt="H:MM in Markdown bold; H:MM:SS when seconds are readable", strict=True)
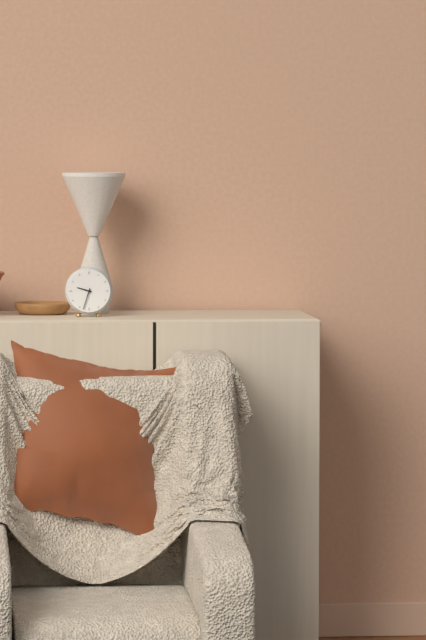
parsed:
**9:33**
